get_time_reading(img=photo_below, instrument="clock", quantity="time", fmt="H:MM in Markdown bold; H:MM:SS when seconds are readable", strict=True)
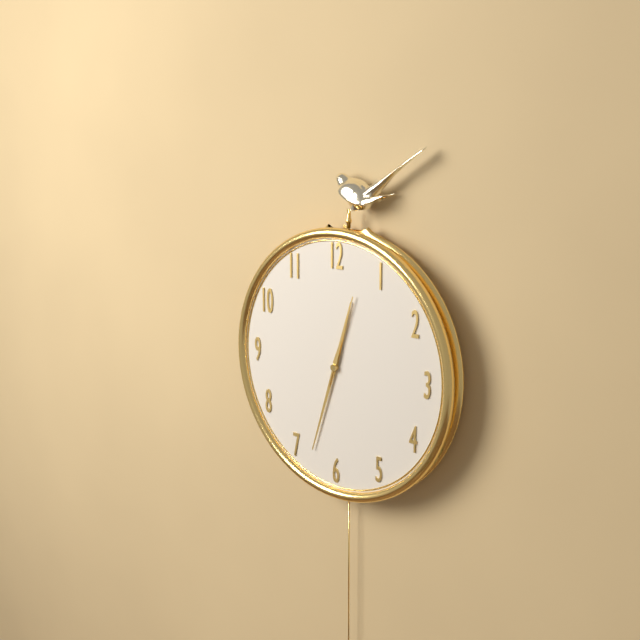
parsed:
**12:33:03**
